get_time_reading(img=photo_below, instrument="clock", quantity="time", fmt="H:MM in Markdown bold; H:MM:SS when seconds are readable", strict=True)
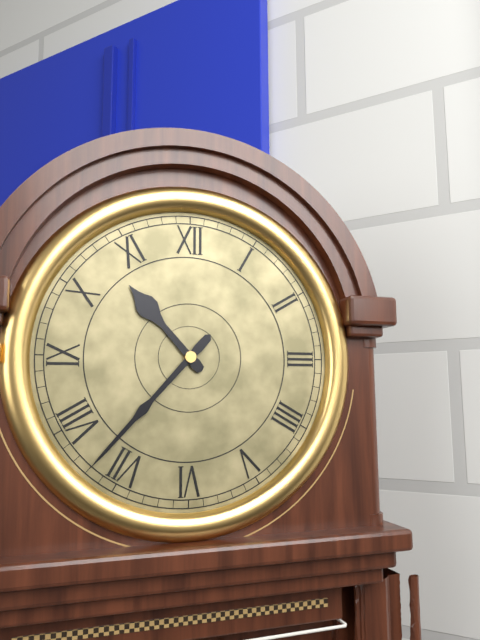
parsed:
**10:37**
